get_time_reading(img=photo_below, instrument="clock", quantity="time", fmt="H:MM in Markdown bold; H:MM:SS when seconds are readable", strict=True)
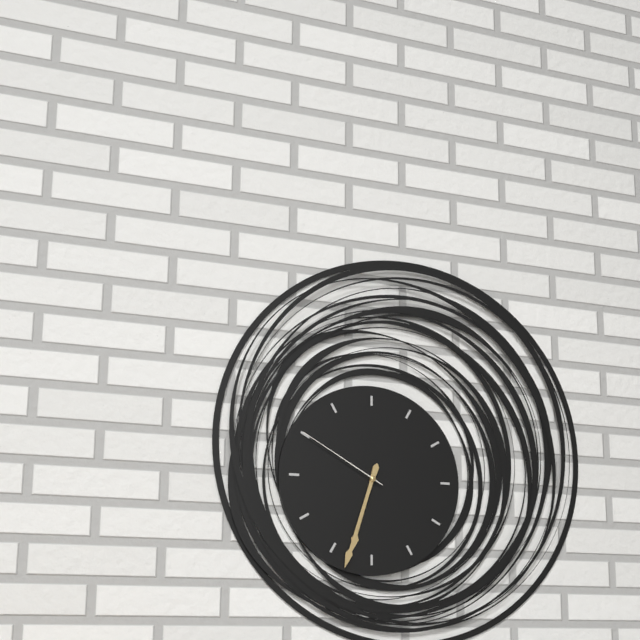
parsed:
**6:33:50**
